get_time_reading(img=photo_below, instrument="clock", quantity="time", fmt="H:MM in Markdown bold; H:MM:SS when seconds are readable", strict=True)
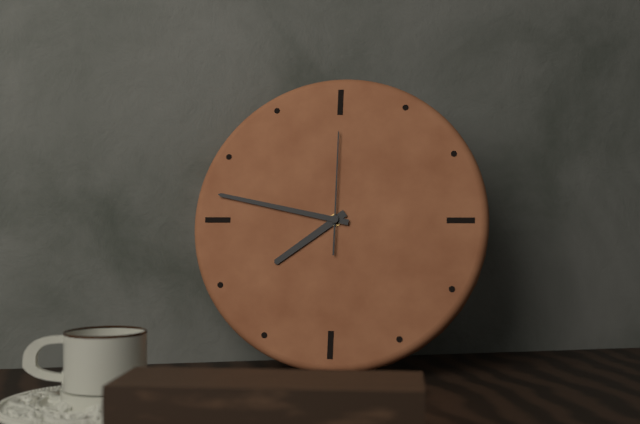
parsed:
**7:47:00**
